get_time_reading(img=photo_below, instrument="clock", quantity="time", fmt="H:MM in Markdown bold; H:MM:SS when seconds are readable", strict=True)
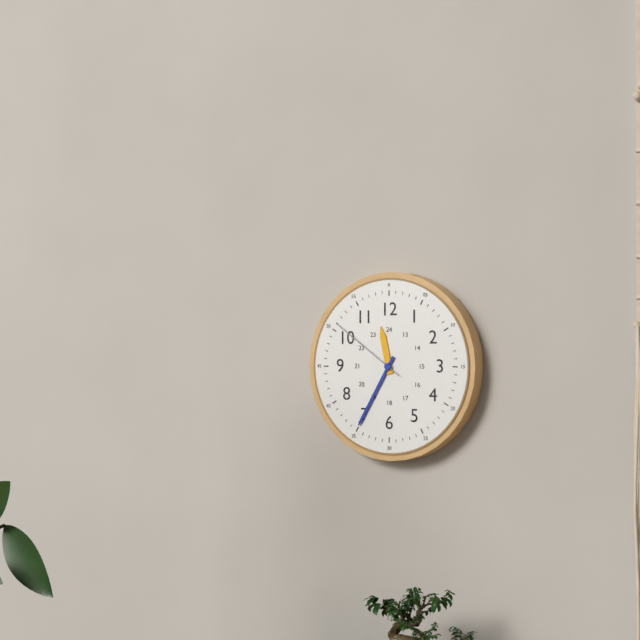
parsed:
**11:35:51**
